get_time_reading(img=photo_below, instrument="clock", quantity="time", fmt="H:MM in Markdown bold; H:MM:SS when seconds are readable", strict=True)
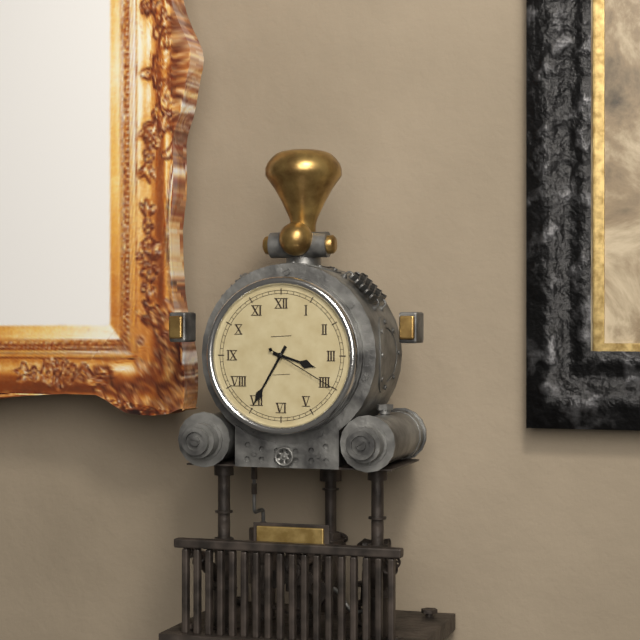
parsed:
**3:35:20**
